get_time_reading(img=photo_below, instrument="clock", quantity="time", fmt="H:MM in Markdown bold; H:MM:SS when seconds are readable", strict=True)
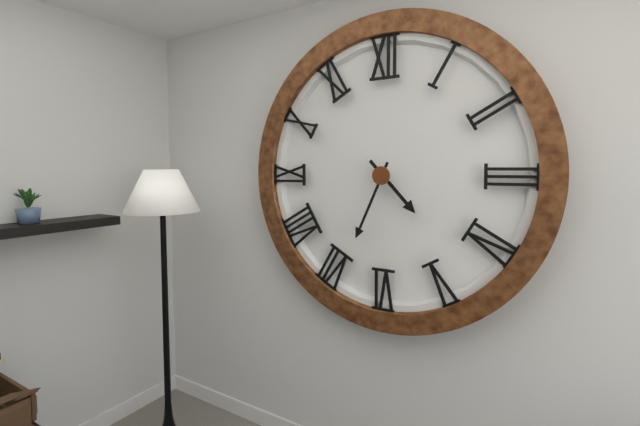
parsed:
**4:34**
